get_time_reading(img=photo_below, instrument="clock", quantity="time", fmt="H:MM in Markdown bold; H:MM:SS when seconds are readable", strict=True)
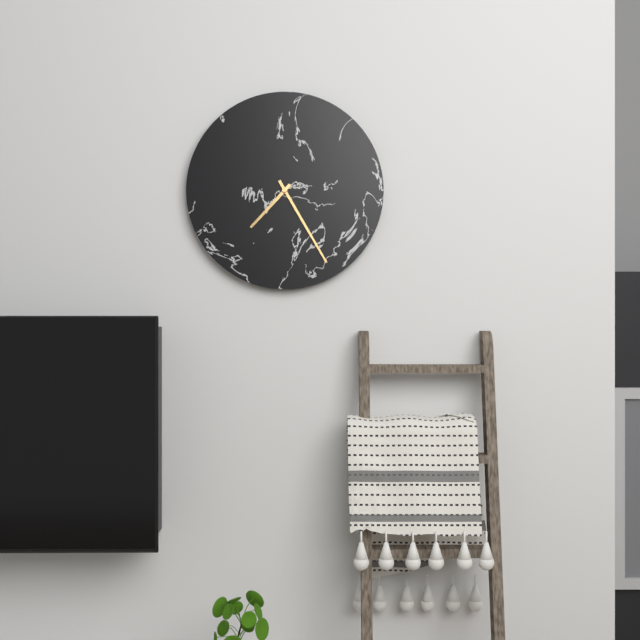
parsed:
**7:25**
